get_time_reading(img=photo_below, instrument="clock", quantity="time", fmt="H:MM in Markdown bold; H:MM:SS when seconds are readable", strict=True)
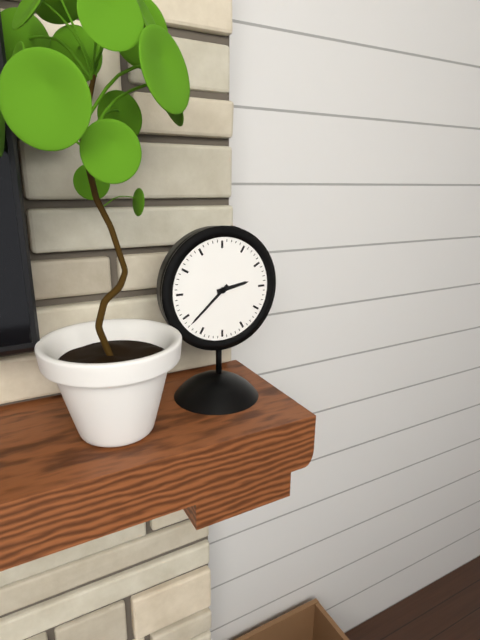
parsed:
**2:38**
